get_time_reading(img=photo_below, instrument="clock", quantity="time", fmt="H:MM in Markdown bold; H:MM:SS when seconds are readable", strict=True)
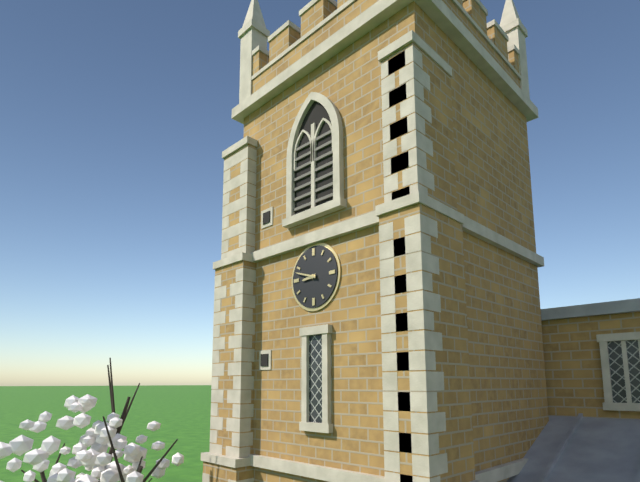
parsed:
**8:48**
